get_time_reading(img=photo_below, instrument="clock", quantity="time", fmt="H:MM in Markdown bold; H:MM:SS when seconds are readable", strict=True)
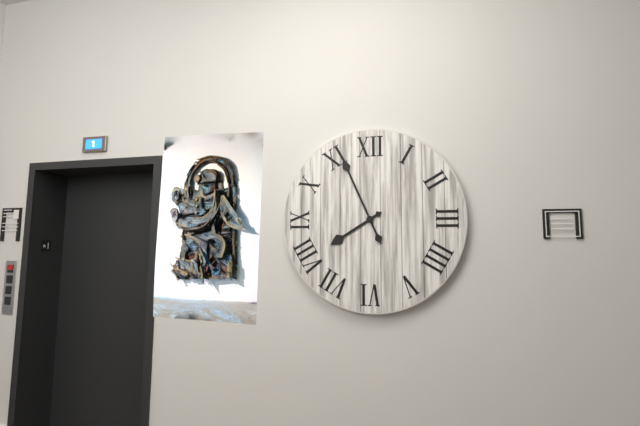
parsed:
**7:56**
